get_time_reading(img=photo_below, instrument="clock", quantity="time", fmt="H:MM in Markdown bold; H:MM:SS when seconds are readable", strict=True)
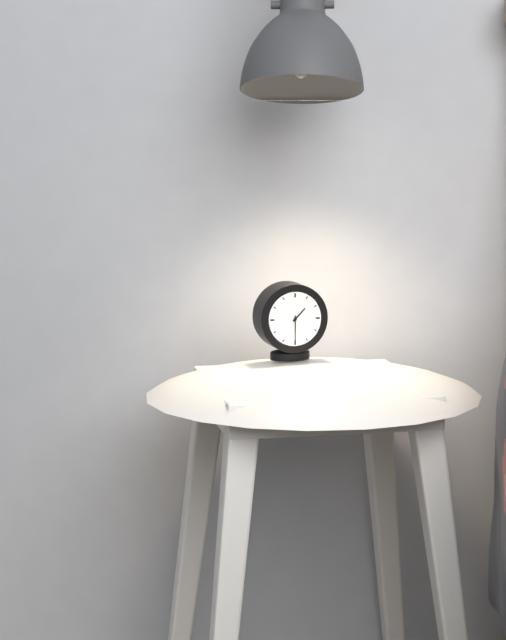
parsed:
**1:30**
